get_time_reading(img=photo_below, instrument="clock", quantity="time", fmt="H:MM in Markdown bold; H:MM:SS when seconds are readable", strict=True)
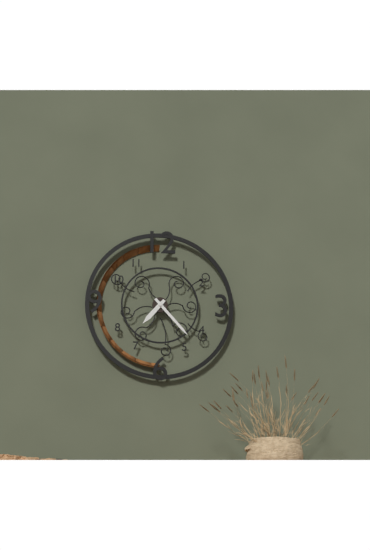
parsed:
**7:23**
